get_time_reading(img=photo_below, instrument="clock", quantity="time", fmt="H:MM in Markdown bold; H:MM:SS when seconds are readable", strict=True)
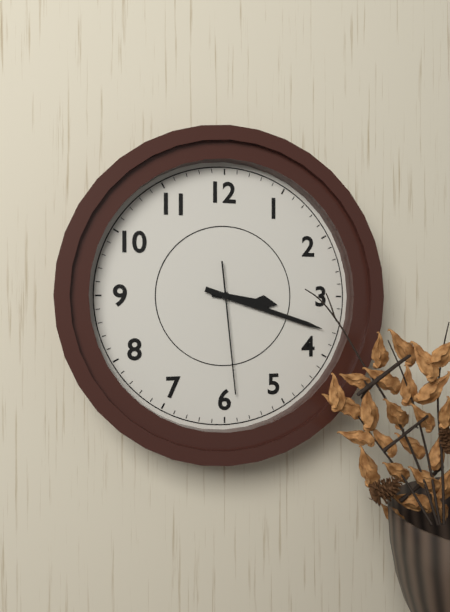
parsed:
**3:18:29**
